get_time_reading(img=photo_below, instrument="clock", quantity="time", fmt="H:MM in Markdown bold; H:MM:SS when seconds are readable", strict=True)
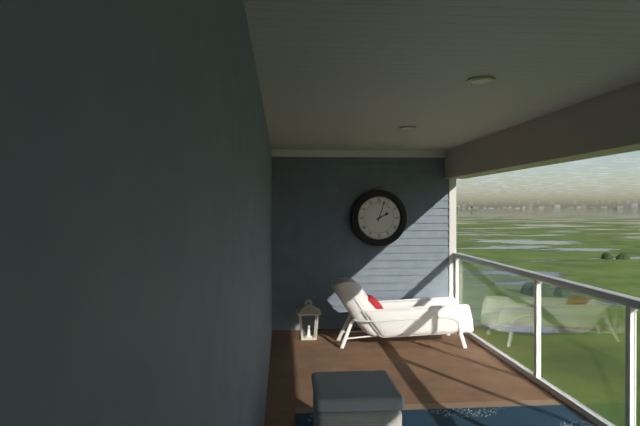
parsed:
**2:03**
